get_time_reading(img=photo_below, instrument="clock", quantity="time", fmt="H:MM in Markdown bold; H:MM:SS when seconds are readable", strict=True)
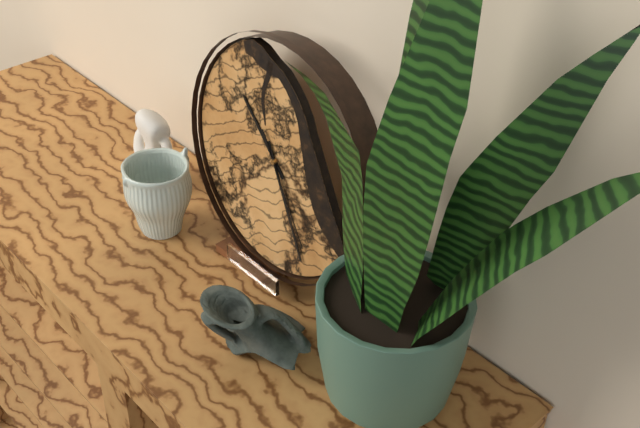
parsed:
**10:25:24**
